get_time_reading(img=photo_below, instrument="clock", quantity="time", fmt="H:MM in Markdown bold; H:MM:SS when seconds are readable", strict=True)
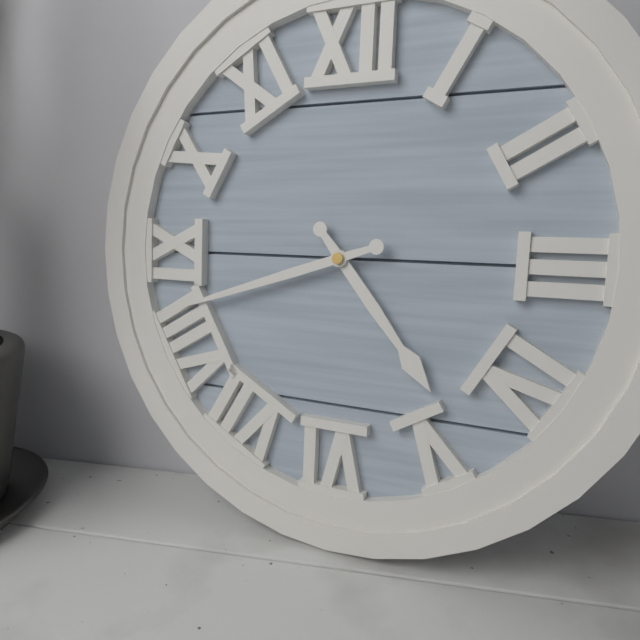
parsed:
**4:42**
